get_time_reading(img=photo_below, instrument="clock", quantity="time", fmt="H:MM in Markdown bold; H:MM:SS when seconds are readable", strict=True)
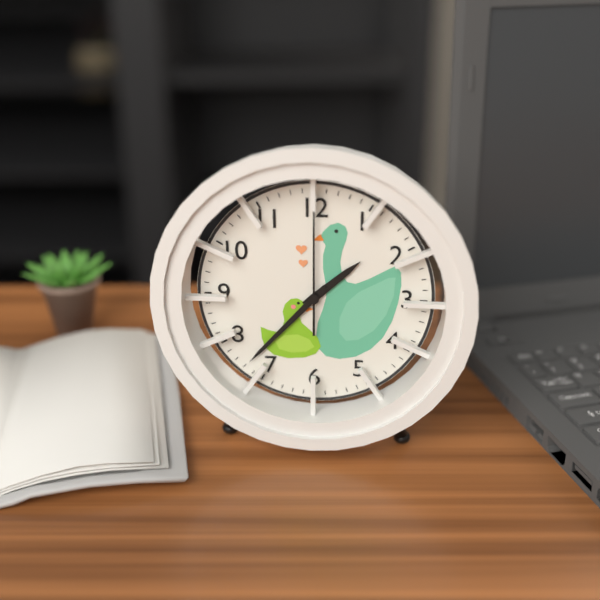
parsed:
**1:37:00**
